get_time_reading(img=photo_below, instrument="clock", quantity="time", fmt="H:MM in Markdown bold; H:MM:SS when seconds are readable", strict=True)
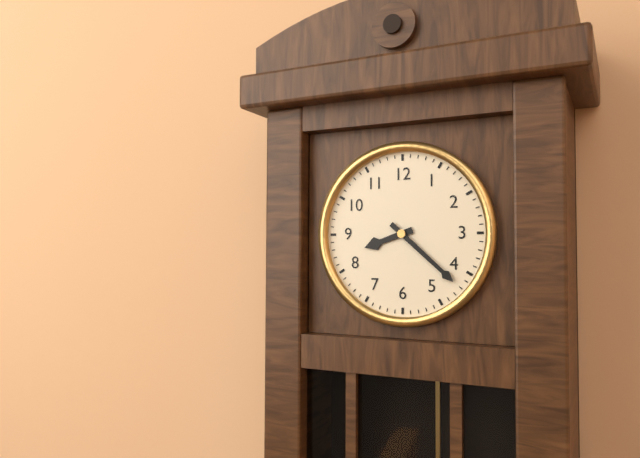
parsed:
**8:22**
